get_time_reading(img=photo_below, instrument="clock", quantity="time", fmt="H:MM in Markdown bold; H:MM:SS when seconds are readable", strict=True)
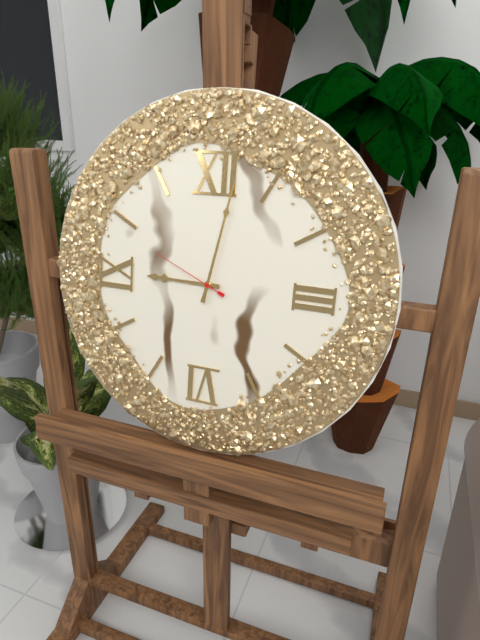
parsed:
**9:02:49**
